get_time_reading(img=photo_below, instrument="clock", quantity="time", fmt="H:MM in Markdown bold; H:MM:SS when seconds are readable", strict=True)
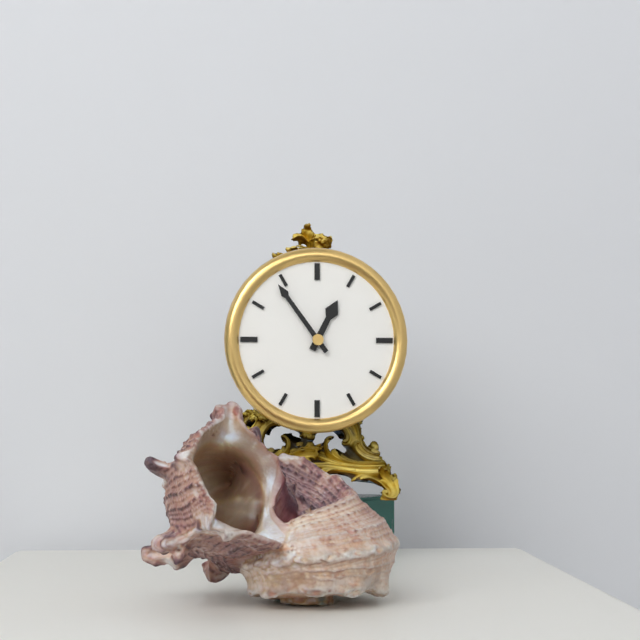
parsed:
**12:54**
